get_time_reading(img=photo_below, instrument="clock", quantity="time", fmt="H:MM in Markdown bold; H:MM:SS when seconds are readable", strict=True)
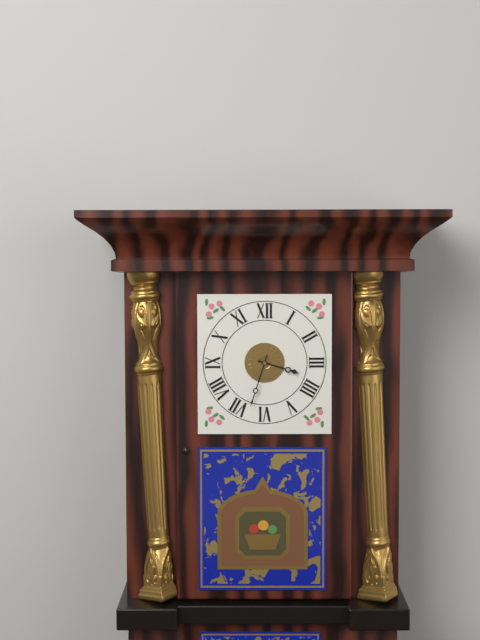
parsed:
**3:33**
